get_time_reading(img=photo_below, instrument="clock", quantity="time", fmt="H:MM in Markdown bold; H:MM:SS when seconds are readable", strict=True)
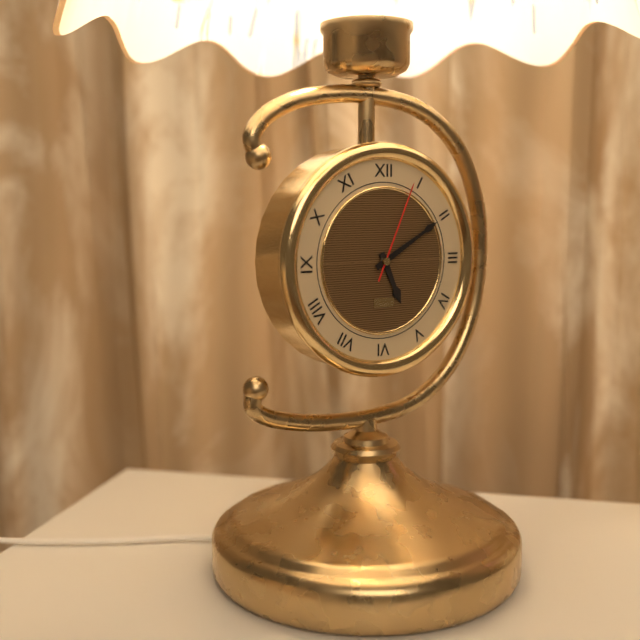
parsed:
**5:10:04**
